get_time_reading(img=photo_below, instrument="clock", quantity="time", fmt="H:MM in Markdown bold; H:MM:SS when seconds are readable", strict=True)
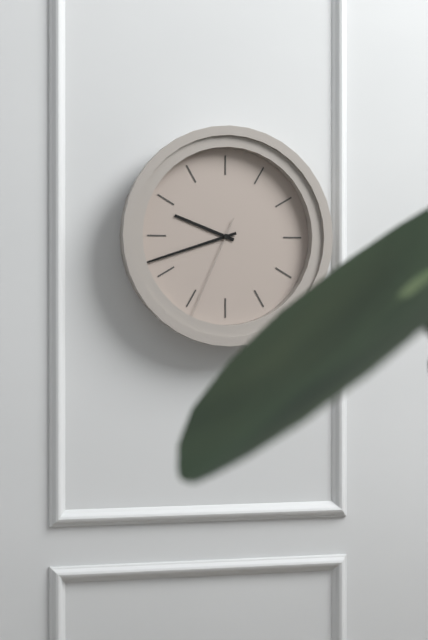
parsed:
**9:42:34**
